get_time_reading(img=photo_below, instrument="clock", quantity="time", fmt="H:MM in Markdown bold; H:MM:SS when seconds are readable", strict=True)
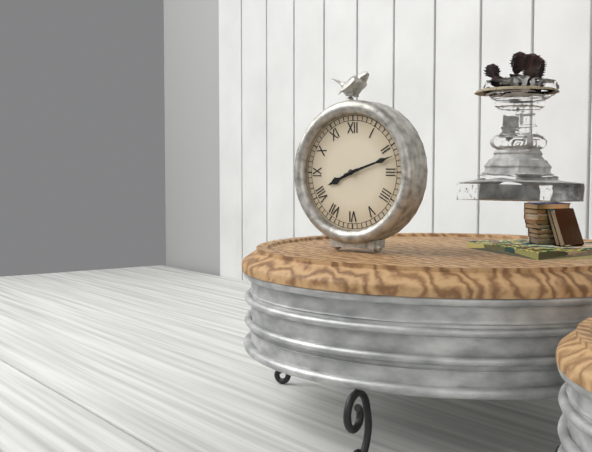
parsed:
**8:12**
